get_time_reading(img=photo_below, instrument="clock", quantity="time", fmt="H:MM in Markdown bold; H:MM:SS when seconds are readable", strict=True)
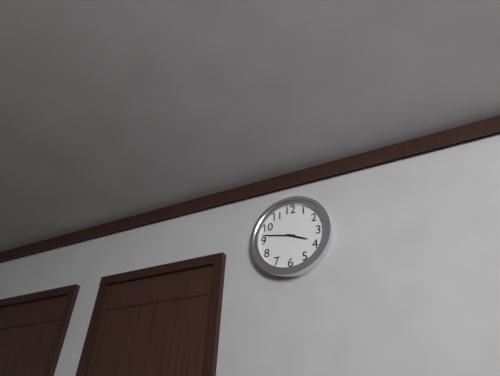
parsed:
**3:47**
